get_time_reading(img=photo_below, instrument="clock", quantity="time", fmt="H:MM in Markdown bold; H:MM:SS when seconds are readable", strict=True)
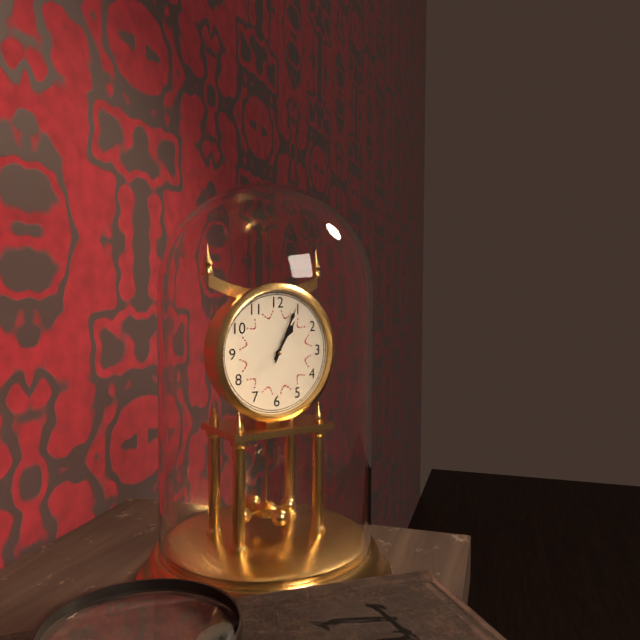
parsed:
**1:04**
